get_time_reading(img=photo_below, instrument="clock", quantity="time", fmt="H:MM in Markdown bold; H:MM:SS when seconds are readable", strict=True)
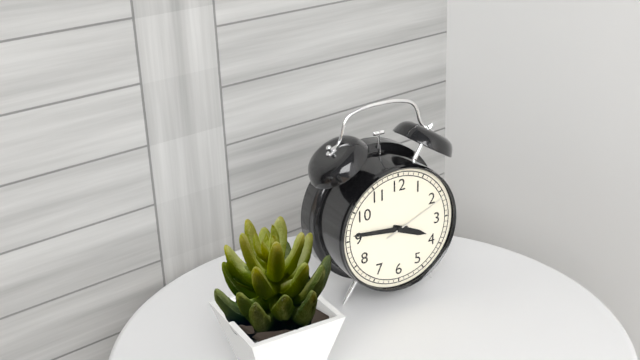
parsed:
**3:46:11**
